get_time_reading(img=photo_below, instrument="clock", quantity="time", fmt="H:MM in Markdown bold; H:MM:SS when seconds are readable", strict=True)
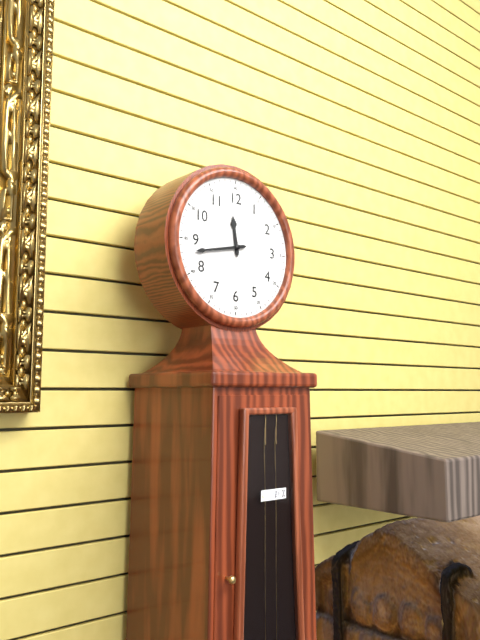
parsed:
**11:43**
